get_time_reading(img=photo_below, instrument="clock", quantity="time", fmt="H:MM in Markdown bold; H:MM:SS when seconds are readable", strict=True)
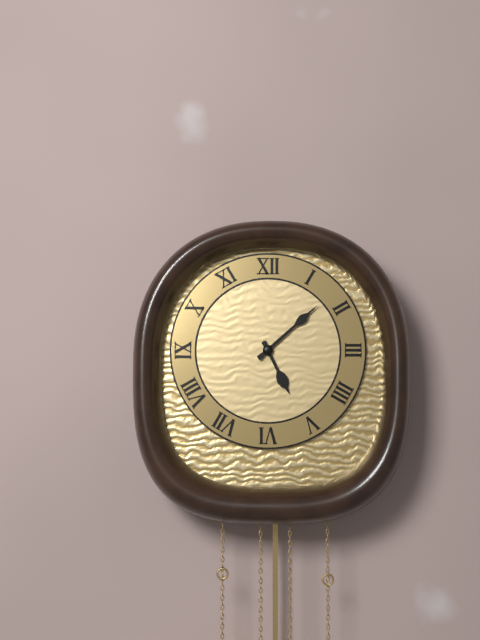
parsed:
**5:08**
